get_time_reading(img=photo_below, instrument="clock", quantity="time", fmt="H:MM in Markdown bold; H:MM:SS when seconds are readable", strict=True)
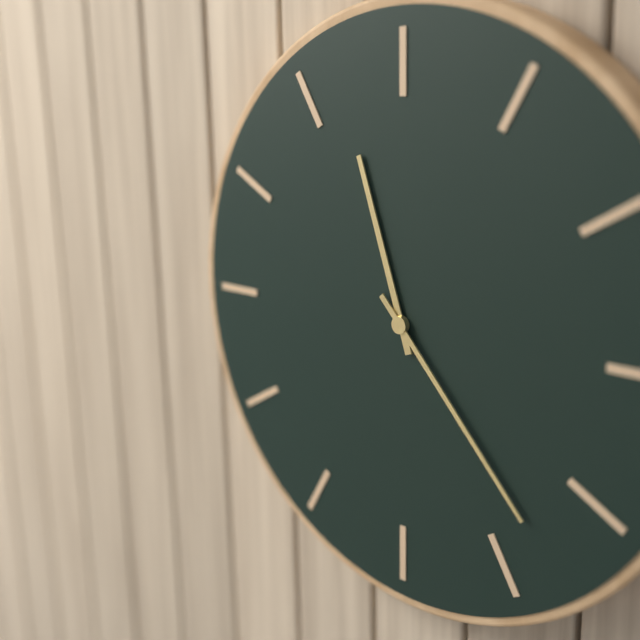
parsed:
**11:23**
